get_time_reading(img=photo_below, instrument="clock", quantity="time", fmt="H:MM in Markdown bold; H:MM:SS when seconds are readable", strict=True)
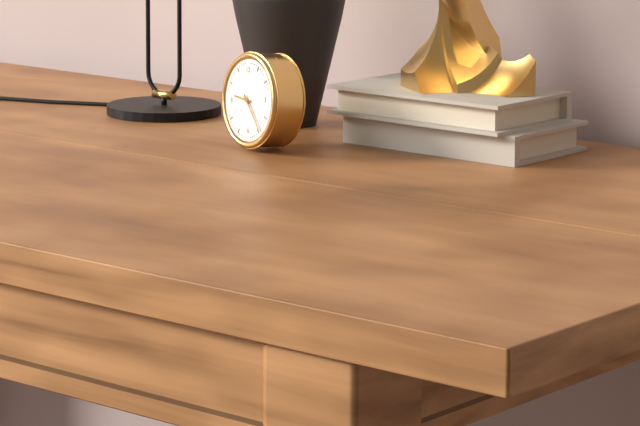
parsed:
**9:24**
